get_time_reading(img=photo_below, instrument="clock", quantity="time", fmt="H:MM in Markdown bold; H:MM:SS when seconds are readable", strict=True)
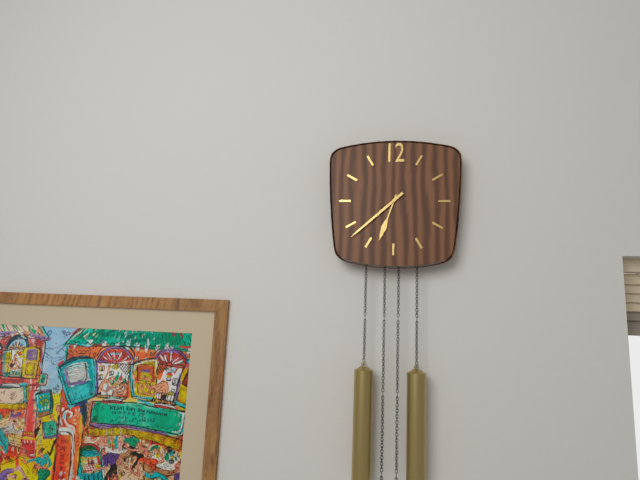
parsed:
**6:38**
